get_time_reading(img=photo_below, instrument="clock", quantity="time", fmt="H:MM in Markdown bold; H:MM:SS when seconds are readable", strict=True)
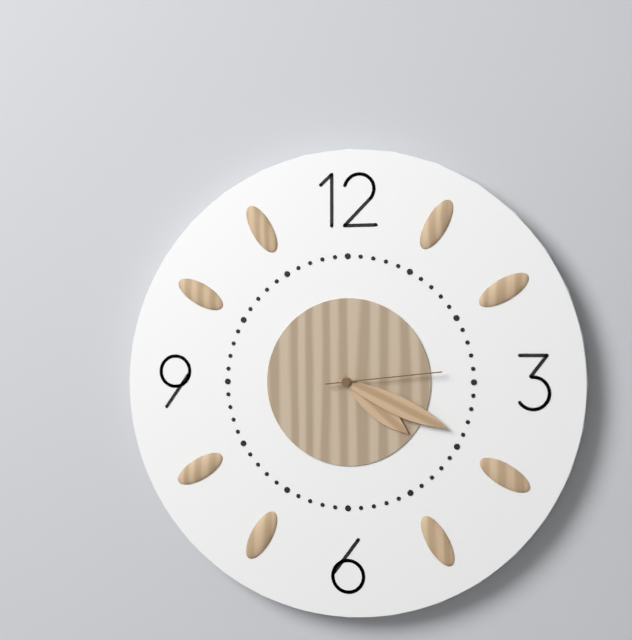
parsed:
**4:19:14**
